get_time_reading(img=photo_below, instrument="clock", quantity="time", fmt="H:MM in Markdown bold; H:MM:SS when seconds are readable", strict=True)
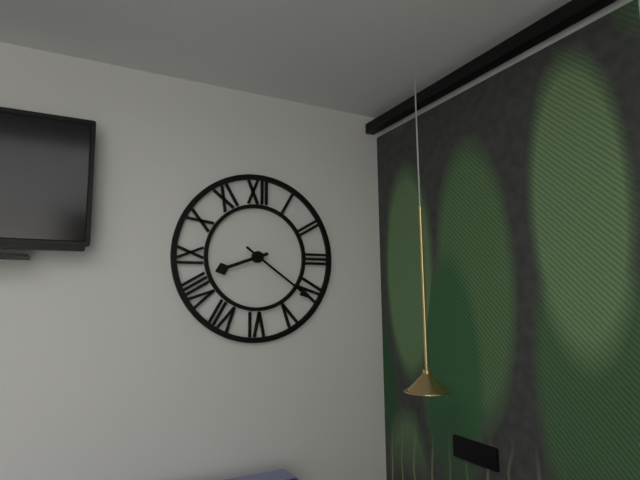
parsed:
**8:21**
